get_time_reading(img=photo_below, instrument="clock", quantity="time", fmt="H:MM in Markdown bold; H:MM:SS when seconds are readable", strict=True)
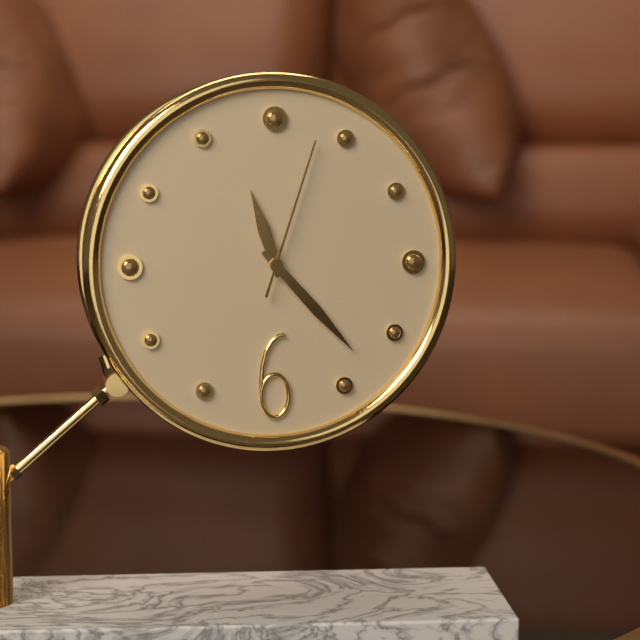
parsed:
**11:23:03**
